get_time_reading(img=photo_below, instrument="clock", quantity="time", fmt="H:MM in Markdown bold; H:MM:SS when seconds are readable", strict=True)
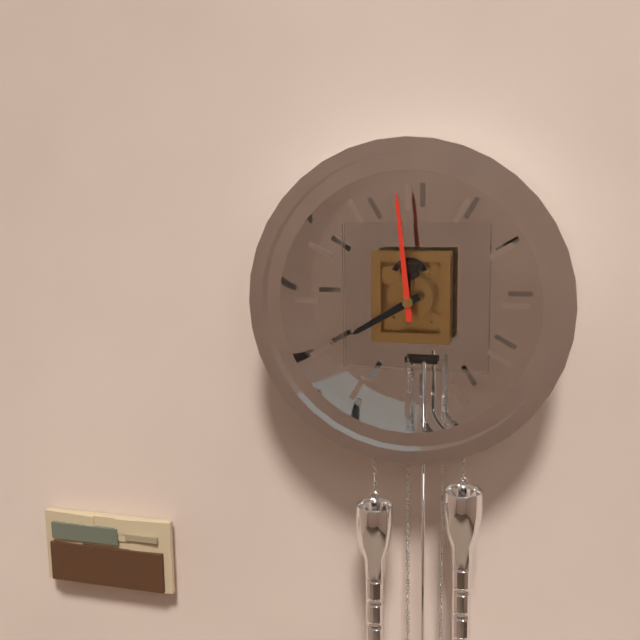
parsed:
**7:59**
